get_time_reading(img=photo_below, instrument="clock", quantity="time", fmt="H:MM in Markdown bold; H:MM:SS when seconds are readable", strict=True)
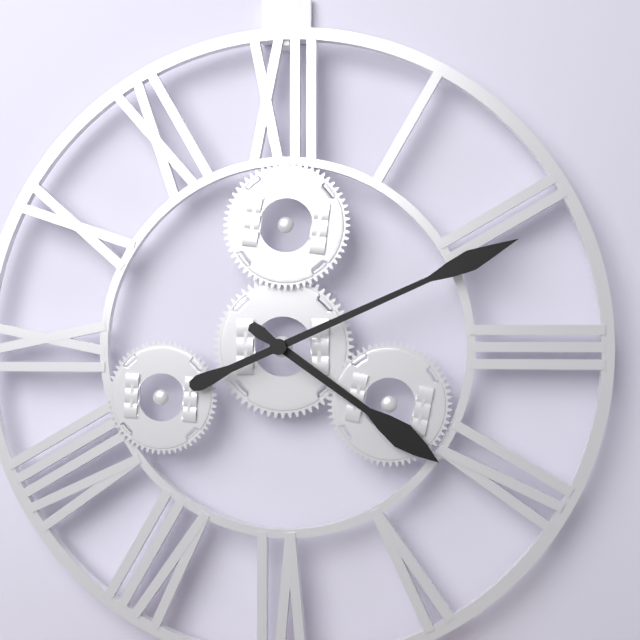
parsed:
**4:11**
